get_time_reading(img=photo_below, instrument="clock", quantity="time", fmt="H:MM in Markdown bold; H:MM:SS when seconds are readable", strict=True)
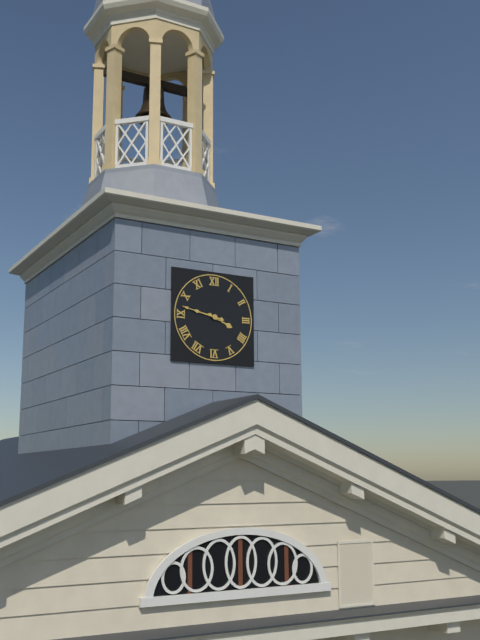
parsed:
**3:47**
